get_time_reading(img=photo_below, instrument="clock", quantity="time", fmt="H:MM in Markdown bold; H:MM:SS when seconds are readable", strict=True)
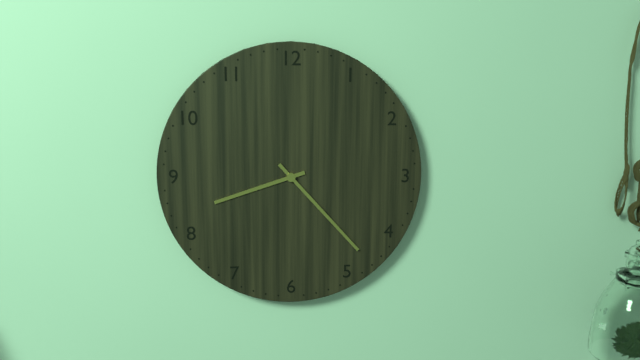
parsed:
**8:23**
